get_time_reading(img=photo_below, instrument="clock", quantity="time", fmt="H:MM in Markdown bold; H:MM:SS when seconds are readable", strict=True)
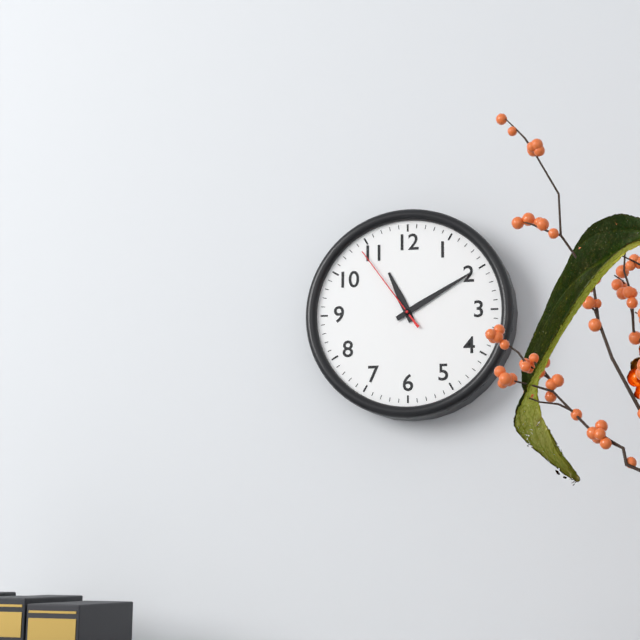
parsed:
**11:10:54**
